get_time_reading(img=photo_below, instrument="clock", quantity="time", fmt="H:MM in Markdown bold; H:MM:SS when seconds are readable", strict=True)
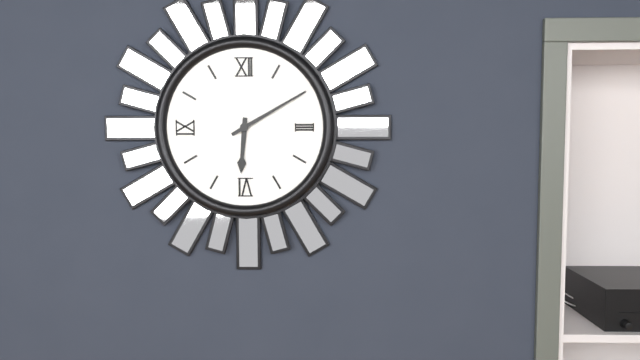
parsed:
**6:10**
